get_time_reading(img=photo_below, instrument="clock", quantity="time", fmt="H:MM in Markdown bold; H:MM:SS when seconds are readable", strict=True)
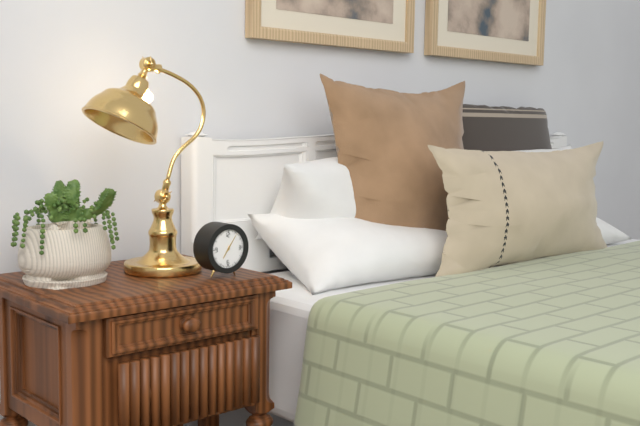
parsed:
**7:06**
